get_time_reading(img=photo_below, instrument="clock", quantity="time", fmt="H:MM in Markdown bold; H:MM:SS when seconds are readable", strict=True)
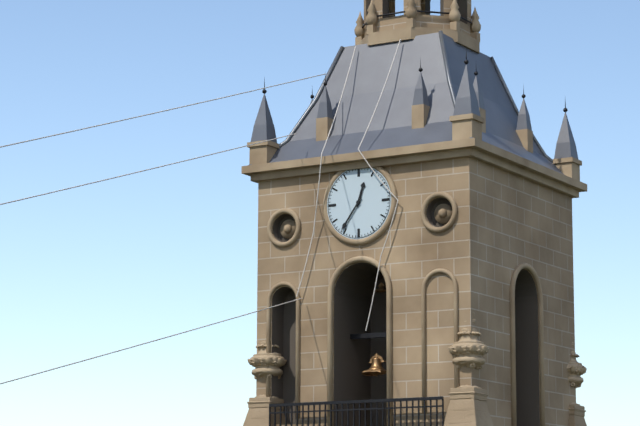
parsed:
**12:36**
